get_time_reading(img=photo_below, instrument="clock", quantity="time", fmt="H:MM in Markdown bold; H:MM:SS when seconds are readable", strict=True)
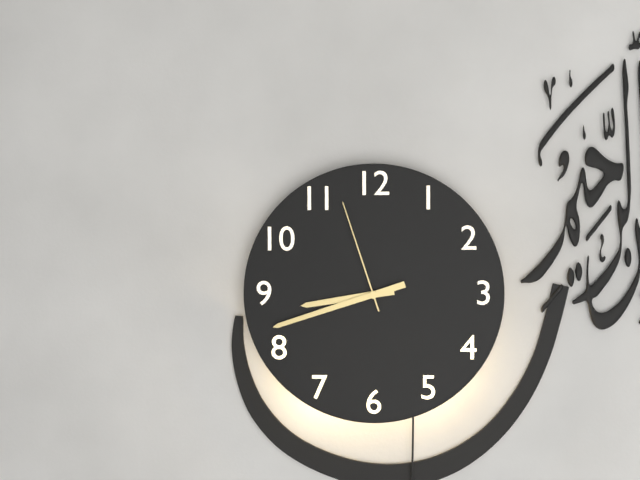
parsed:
**8:42:57**
